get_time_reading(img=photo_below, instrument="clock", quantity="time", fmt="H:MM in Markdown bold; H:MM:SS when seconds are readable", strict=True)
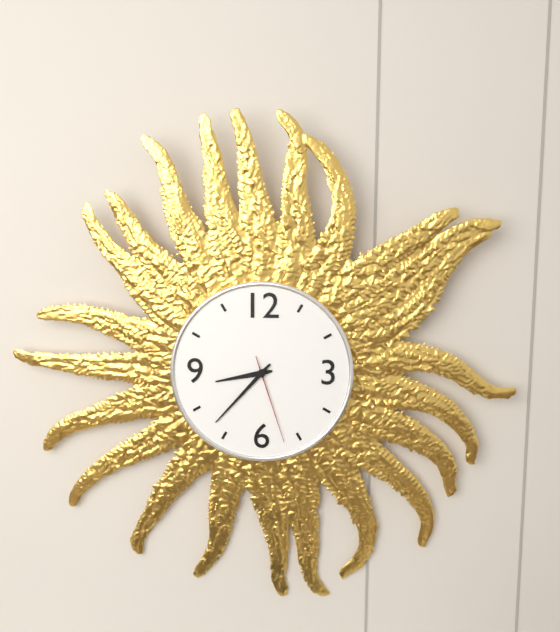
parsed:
**8:37:27**
